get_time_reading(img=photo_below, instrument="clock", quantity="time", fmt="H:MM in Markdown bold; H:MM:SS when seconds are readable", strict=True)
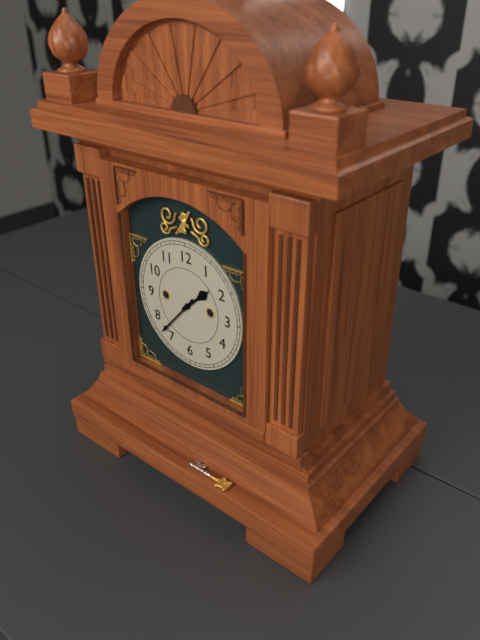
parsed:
**1:37**
